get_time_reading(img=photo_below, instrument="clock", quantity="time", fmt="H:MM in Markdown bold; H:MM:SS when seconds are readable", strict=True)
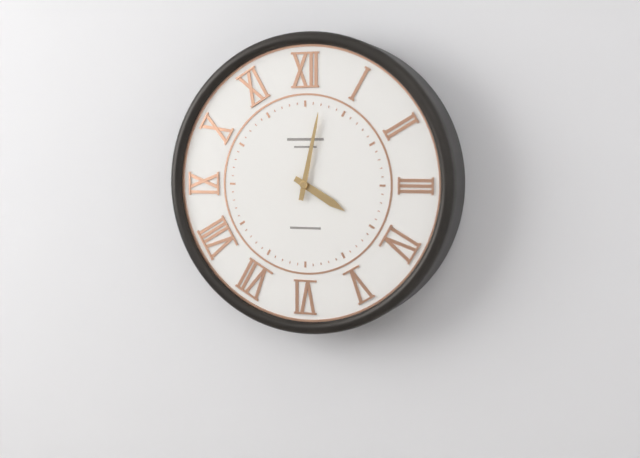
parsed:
**4:02**
